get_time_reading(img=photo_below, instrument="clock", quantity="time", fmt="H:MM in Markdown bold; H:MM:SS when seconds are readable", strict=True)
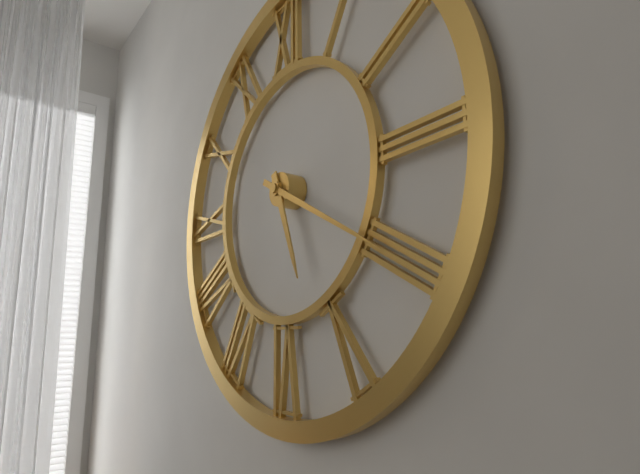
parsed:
**5:20**
